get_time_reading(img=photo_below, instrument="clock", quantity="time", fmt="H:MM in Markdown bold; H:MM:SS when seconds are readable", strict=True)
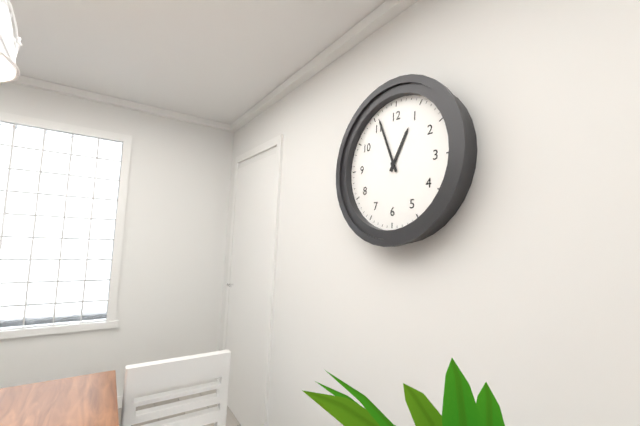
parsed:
**12:56**
